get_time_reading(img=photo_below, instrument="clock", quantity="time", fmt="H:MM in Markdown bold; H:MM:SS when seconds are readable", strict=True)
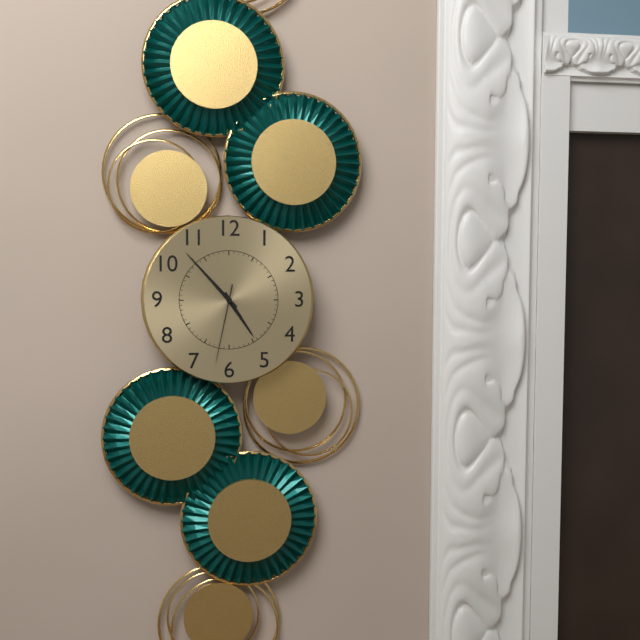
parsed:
**4:53:32**
